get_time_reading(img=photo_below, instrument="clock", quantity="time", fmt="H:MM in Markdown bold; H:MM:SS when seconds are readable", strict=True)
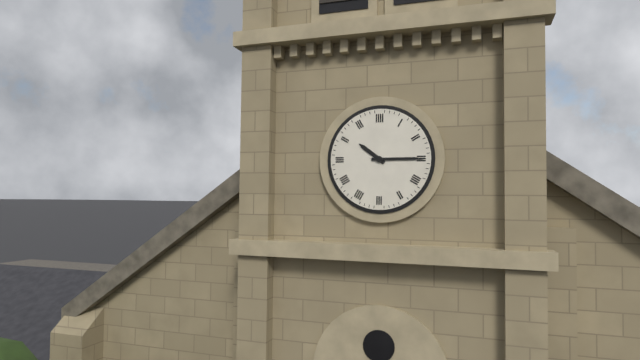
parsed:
**10:15**
